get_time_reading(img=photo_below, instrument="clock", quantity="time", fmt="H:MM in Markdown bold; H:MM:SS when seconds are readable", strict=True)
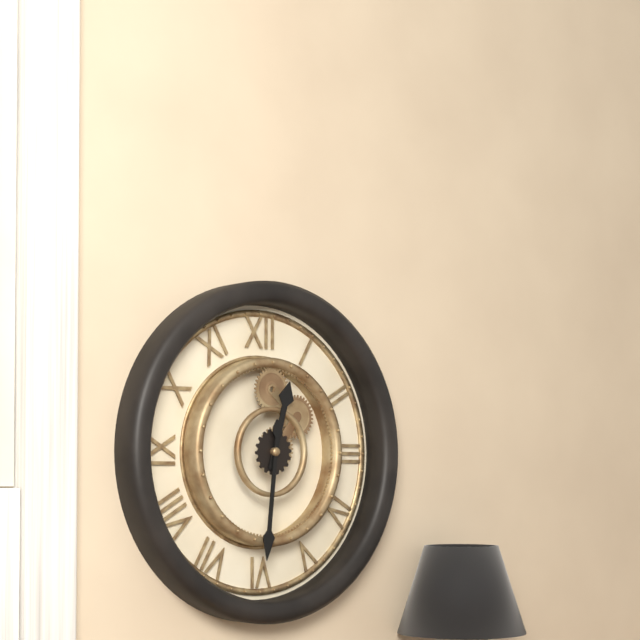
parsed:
**12:31**
